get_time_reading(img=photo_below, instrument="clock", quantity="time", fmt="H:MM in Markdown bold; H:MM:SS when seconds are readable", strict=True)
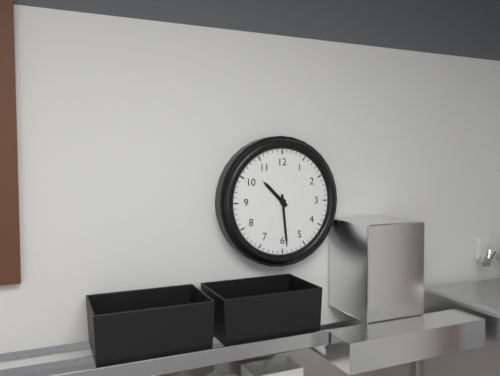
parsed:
**10:29**
